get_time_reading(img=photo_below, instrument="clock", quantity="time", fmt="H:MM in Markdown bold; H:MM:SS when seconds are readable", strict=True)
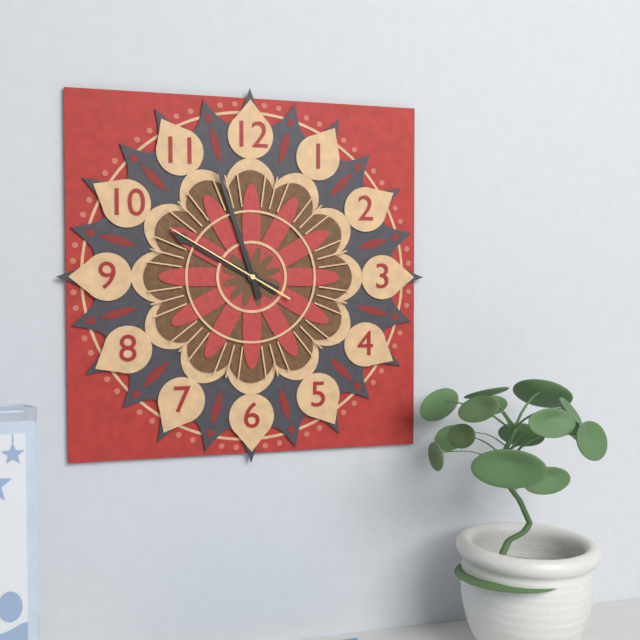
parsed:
**9:57:50**
